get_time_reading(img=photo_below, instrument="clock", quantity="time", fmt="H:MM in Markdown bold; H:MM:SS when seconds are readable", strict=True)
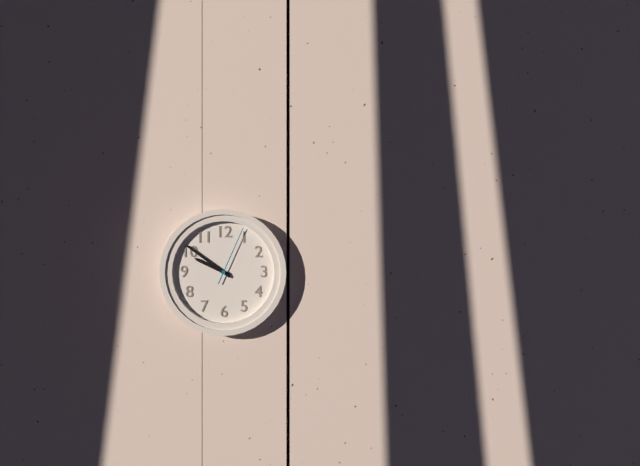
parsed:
**9:51:04**
